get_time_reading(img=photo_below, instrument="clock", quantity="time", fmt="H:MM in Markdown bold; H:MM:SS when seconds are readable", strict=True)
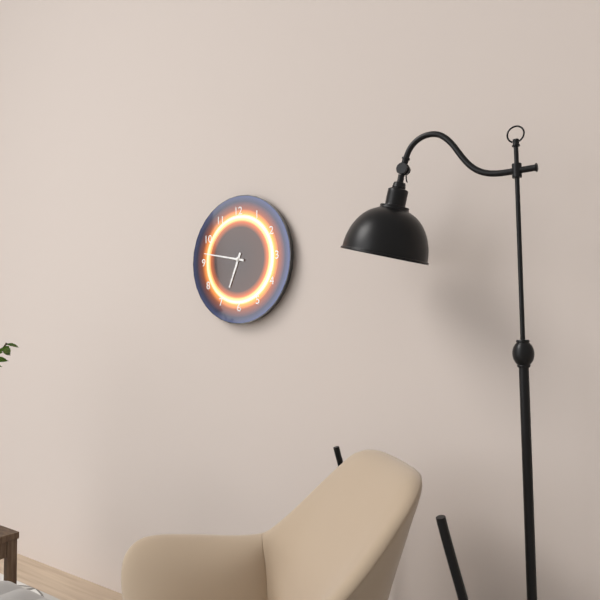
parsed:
**6:47**
